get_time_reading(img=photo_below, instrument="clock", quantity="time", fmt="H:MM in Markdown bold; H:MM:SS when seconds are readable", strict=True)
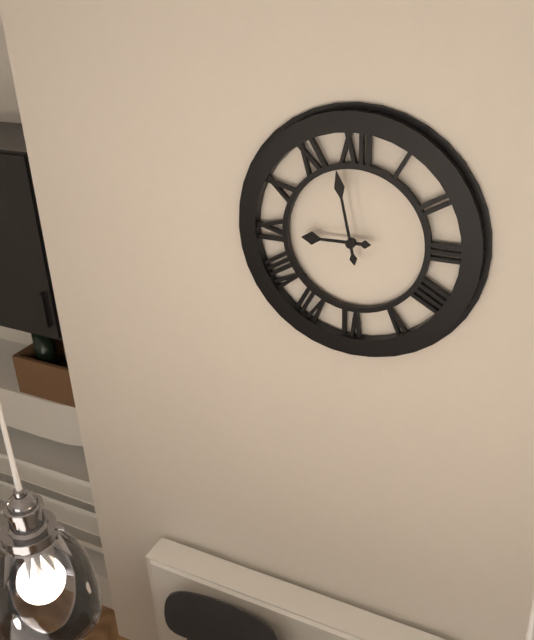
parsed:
**8:58**
